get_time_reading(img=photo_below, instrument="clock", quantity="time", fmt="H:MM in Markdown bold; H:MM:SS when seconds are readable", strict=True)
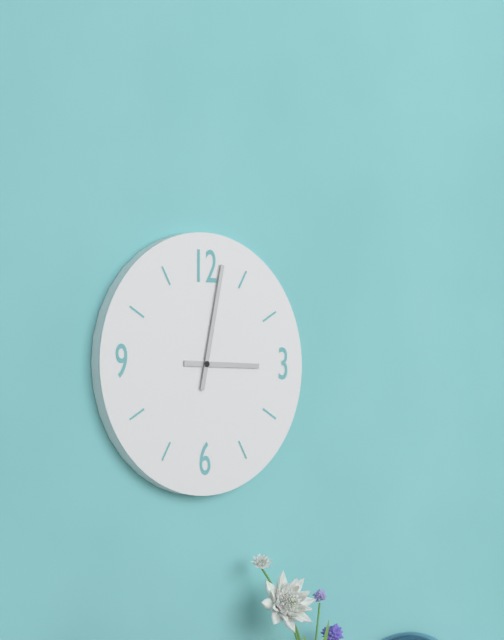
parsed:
**3:02**
